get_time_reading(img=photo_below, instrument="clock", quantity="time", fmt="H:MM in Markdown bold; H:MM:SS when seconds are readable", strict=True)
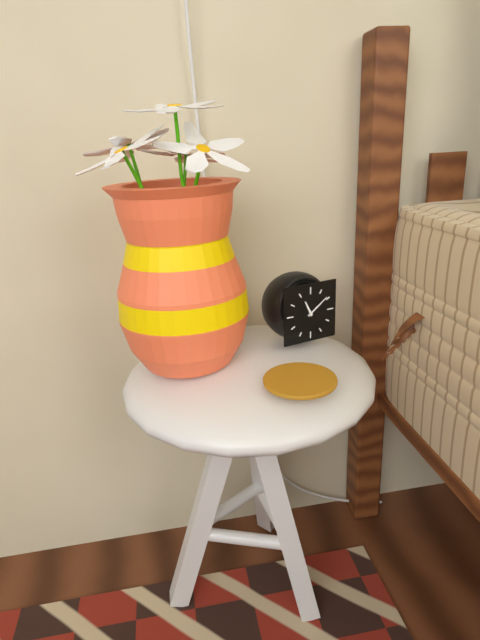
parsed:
**11:09**
